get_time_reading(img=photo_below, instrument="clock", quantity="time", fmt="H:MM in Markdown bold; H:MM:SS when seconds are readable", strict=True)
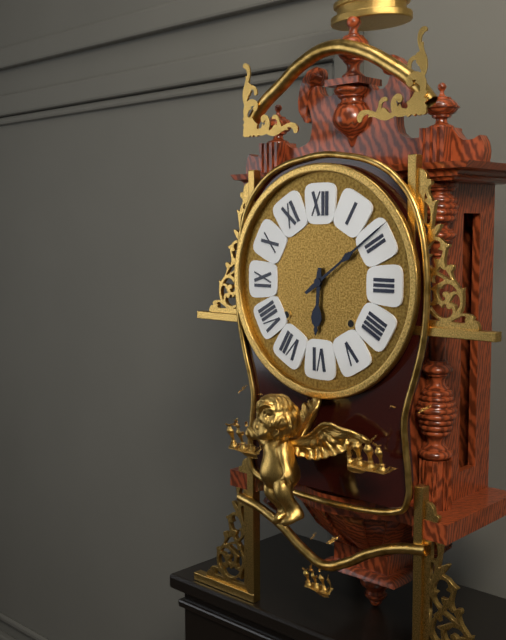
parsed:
**6:09**
